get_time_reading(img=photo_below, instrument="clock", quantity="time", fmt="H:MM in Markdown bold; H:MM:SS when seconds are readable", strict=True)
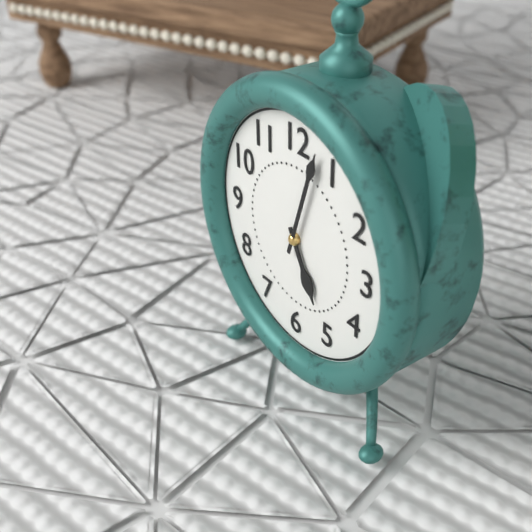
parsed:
**5:03**
